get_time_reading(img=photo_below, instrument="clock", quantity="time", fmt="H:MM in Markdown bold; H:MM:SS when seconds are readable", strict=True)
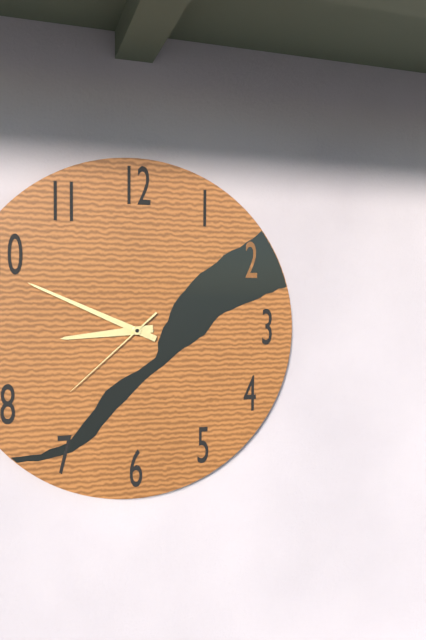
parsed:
**8:49:38**
